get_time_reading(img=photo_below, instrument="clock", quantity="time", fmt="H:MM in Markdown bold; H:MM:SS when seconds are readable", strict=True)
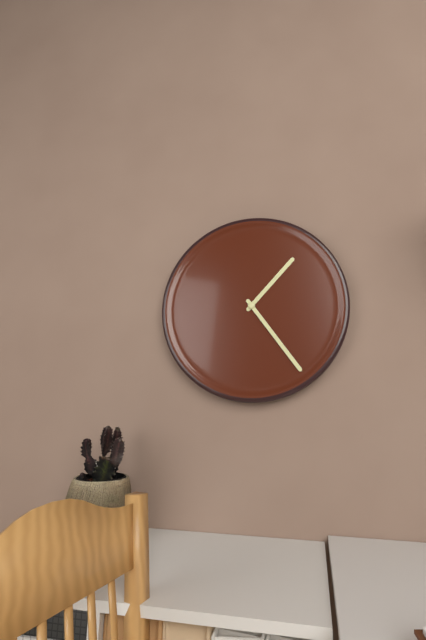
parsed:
**1:24**
